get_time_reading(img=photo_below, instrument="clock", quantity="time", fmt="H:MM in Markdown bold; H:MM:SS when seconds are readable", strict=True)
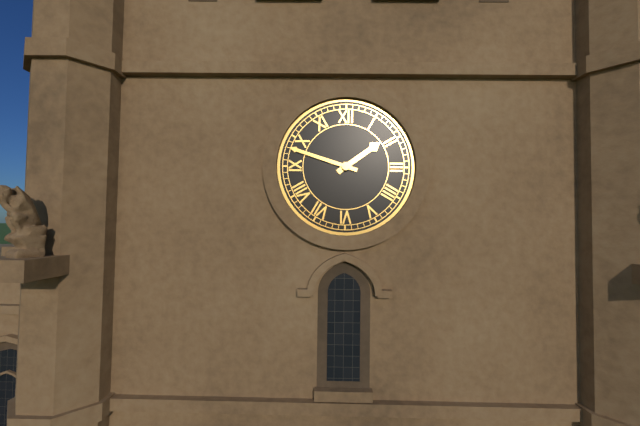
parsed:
**1:48**
